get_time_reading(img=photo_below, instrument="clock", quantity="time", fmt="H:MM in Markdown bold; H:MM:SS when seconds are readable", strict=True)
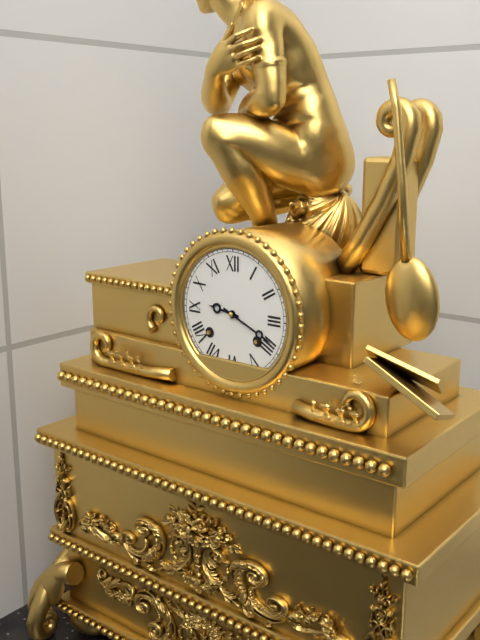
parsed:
**9:19**
